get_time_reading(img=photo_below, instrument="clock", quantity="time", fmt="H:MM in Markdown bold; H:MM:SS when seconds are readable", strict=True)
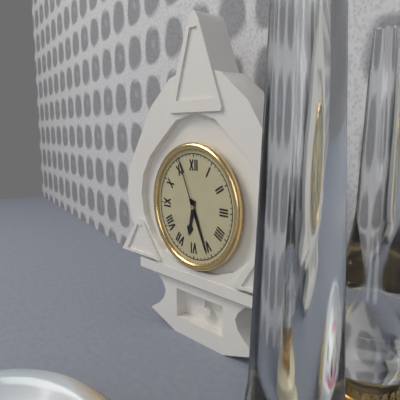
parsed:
**6:26:56**
